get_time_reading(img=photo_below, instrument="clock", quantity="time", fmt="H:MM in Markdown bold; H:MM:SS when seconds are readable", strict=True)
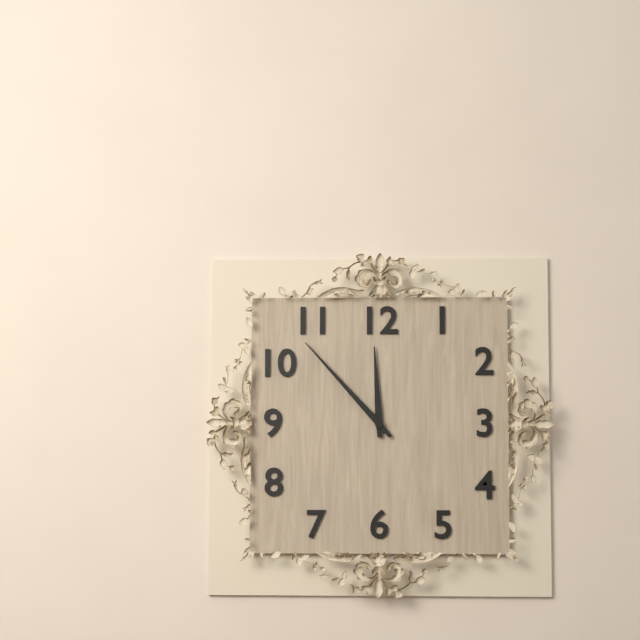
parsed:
**11:53**
